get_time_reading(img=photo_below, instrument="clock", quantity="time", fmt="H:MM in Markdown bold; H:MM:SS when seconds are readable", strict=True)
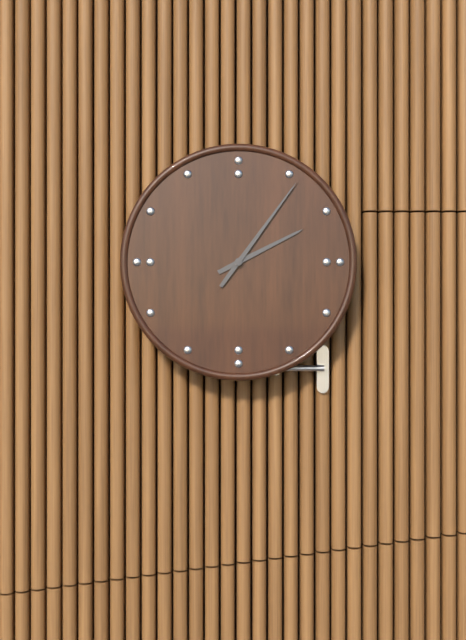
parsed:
**2:06**
